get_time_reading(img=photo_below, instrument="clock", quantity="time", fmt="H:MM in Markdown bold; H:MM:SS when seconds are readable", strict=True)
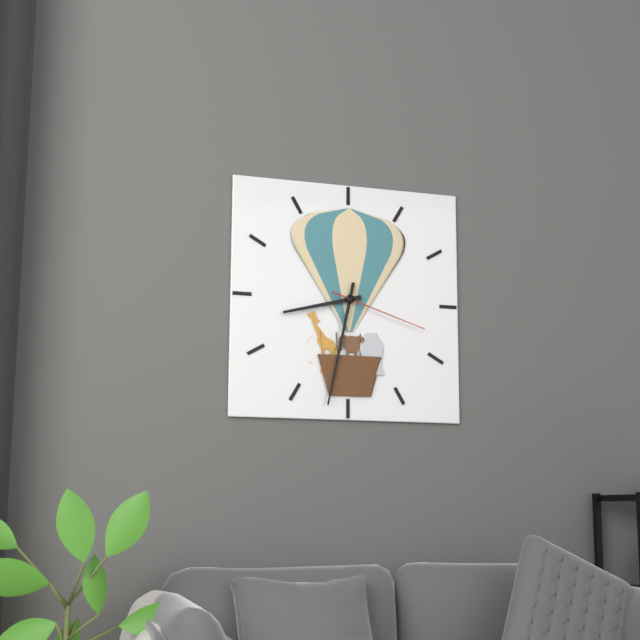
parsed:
**8:32:18**
